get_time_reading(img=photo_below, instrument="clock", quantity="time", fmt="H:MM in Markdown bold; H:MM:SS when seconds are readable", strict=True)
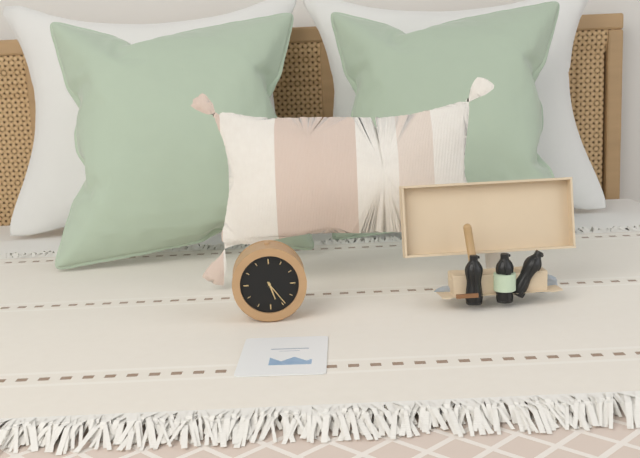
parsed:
**5:24**
